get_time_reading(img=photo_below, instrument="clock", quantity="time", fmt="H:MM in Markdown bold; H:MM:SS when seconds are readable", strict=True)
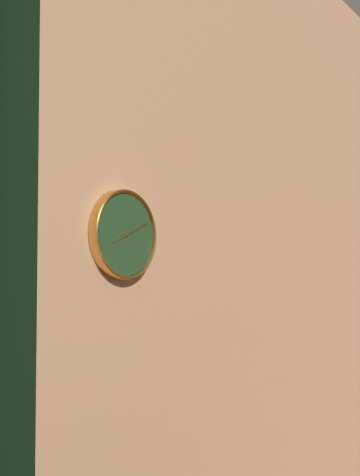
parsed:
**8:11**
